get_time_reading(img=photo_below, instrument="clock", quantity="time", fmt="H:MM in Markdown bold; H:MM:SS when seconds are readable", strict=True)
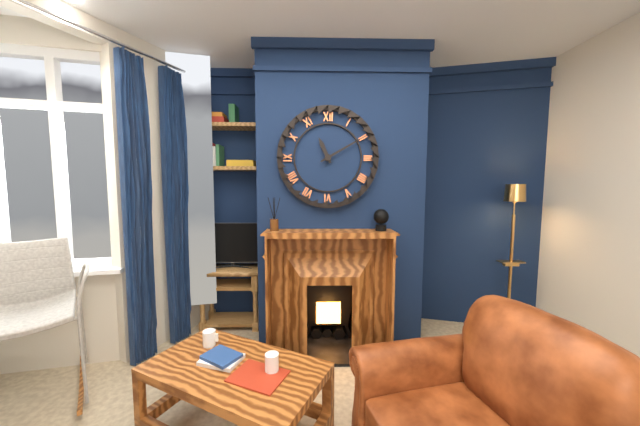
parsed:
**11:10**
